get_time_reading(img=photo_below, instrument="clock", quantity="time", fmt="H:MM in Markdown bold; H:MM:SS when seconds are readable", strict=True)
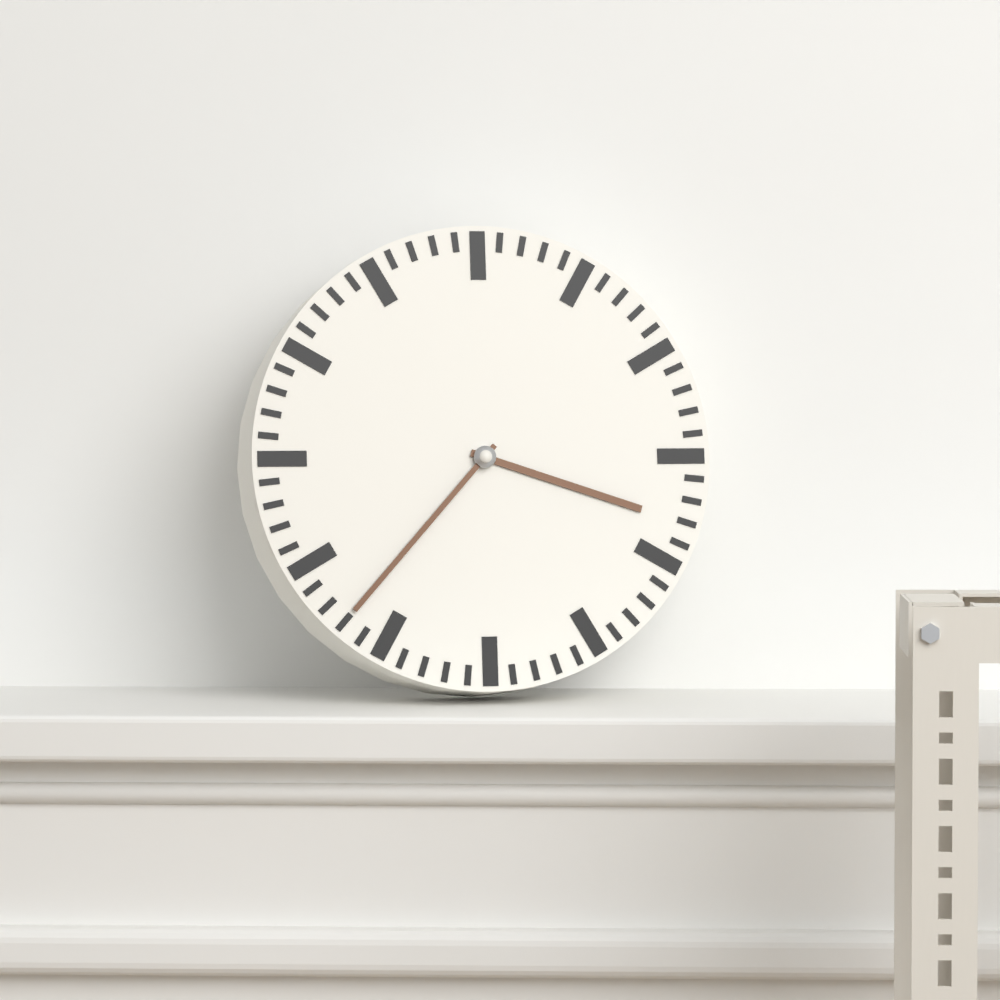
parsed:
**3:37**
